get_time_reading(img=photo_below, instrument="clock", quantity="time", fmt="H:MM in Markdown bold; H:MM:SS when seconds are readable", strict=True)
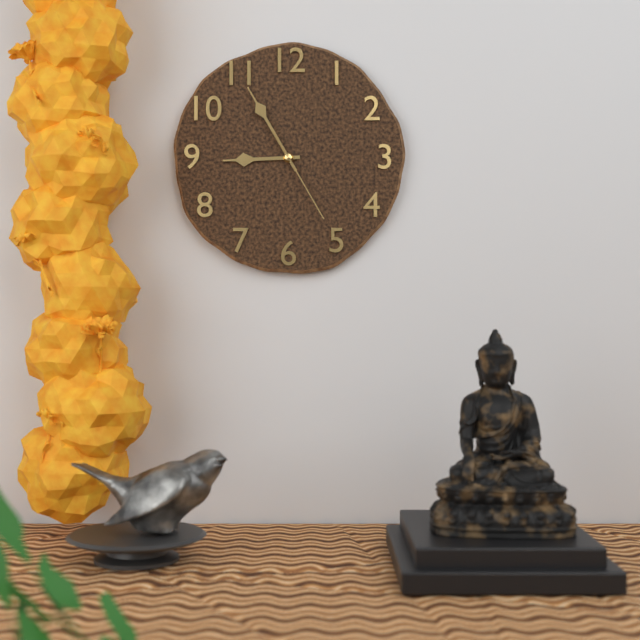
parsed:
**8:55:25**
